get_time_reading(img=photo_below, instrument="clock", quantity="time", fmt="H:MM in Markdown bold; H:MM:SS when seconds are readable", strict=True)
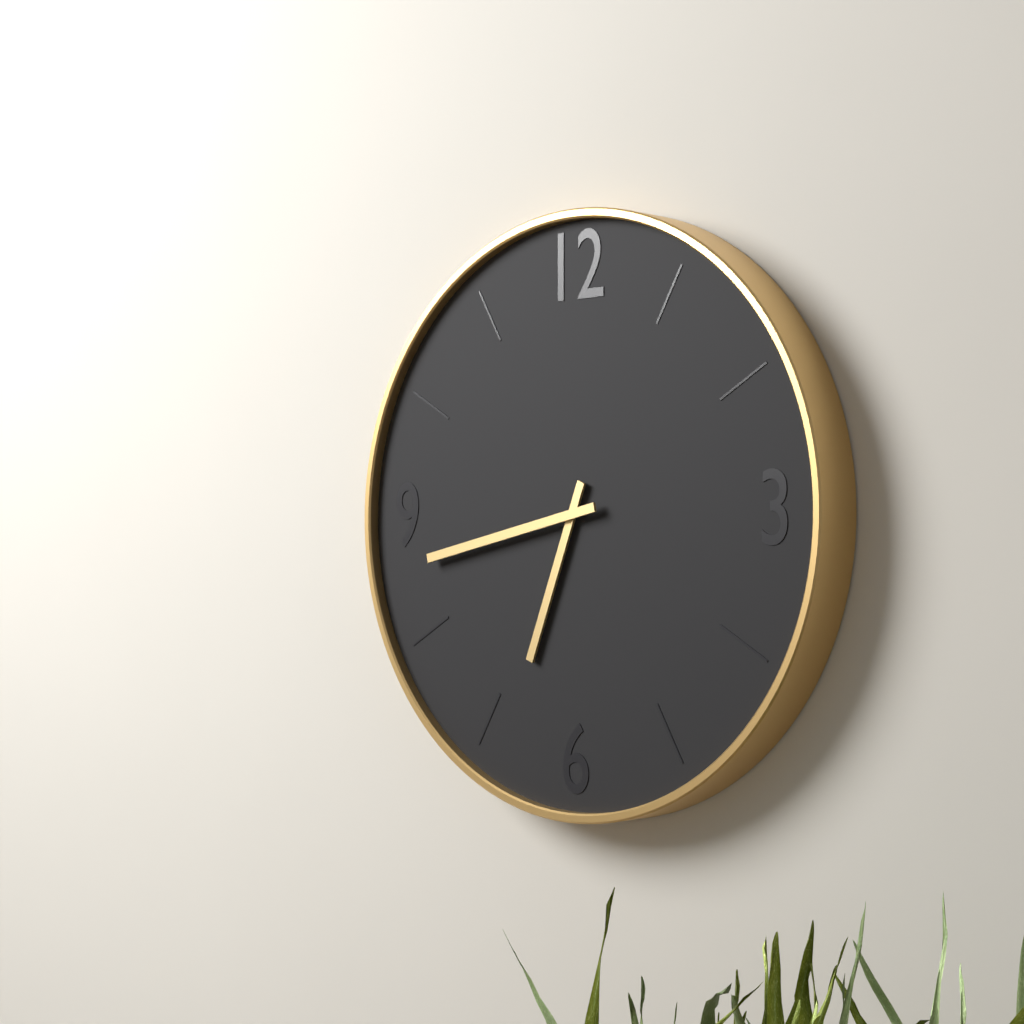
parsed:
**6:43**
